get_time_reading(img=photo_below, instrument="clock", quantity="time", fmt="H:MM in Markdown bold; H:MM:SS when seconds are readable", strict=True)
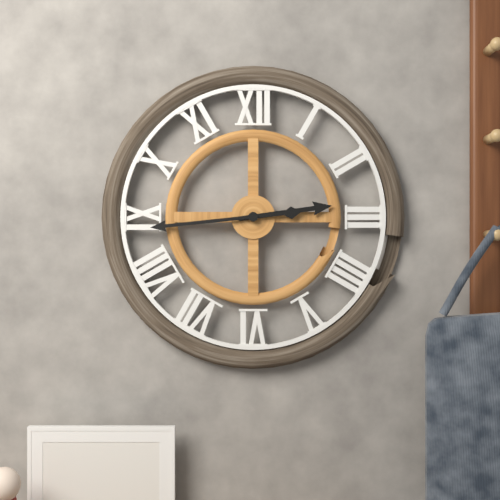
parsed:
**2:44**
